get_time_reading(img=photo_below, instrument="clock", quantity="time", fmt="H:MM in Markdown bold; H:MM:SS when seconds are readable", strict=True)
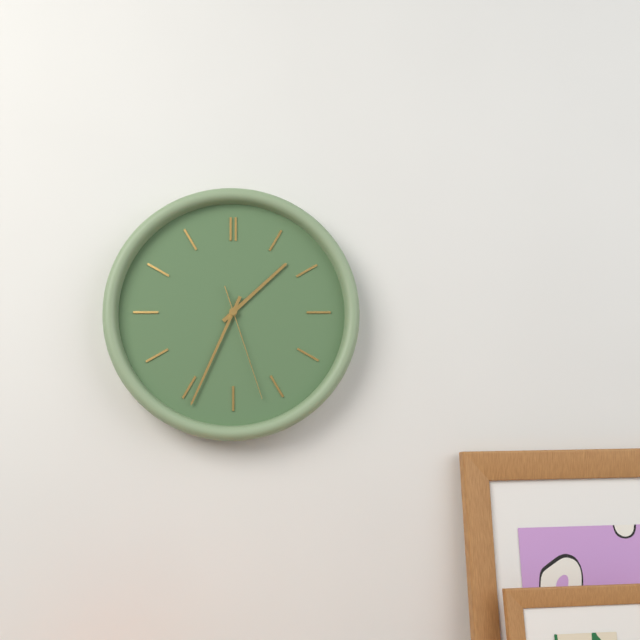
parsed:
**1:34:27**
